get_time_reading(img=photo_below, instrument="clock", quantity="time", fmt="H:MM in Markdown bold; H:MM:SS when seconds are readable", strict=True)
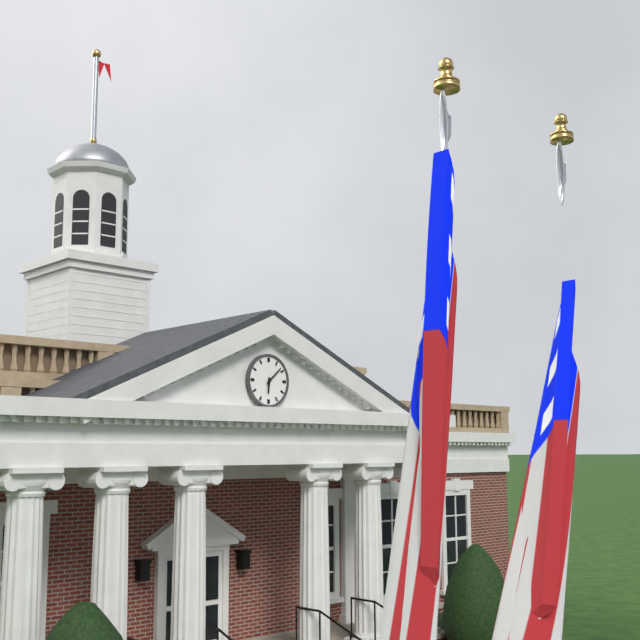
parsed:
**6:08**
